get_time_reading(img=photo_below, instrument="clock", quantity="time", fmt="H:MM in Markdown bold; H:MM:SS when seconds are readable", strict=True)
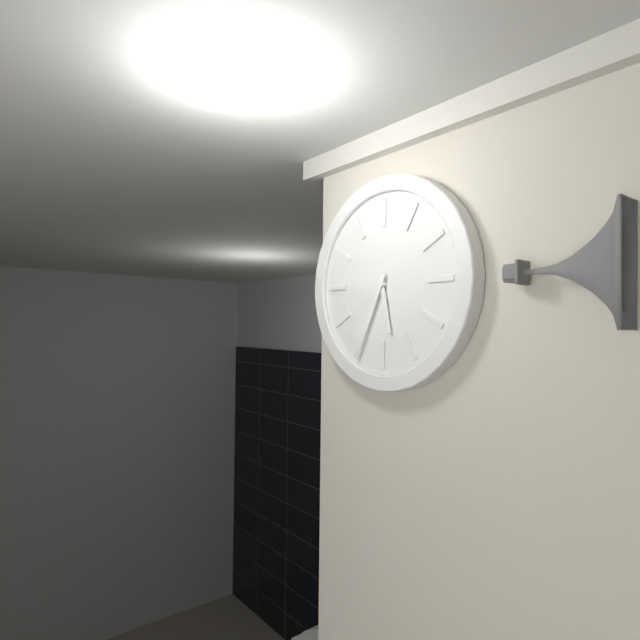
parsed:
**5:34**
